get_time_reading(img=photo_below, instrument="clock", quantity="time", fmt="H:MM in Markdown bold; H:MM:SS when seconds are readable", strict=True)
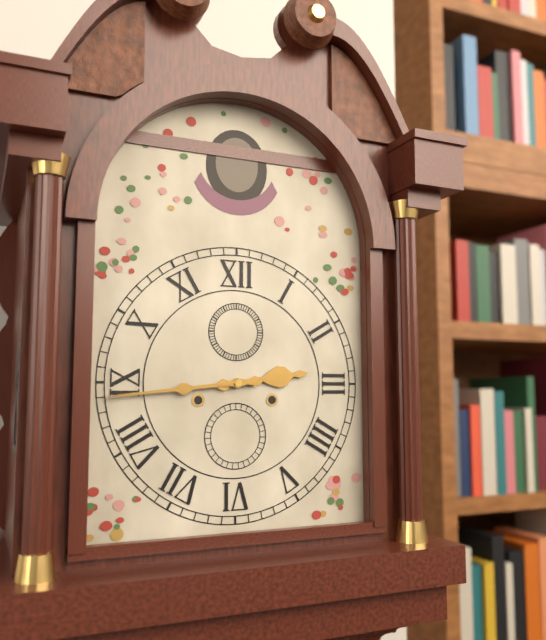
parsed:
**2:44**
